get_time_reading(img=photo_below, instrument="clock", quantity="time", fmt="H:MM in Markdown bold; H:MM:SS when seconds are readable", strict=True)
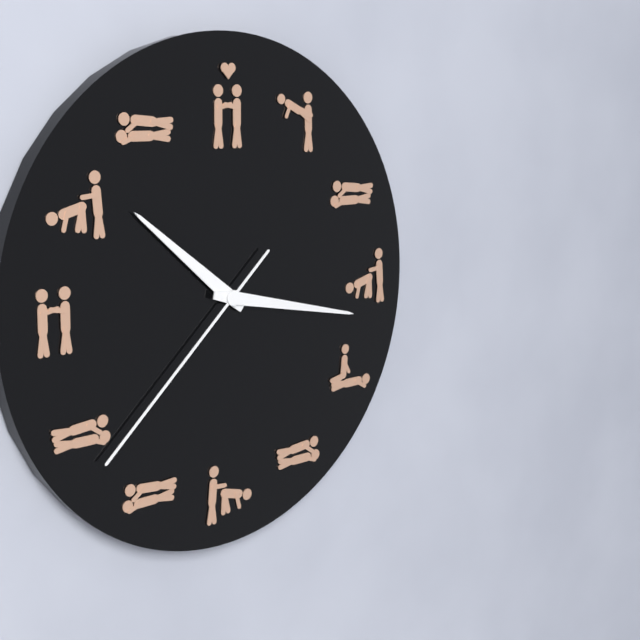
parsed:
**10:17:38**
